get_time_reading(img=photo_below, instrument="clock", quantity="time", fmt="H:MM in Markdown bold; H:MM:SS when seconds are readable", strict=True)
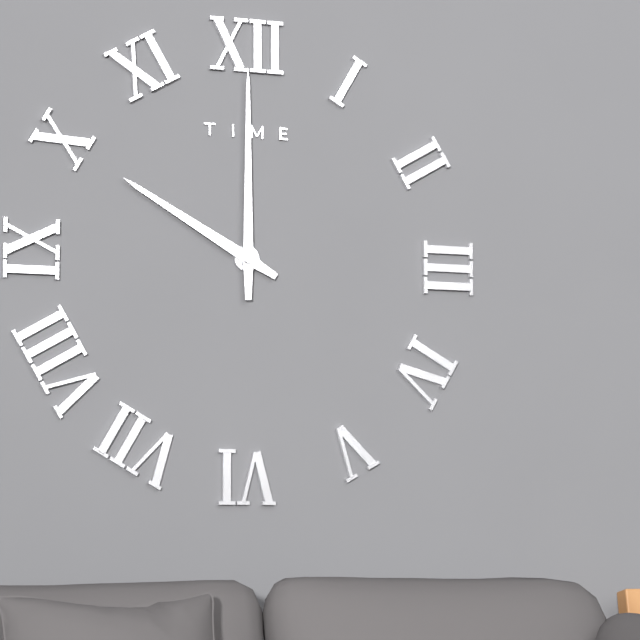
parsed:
**10:00**
